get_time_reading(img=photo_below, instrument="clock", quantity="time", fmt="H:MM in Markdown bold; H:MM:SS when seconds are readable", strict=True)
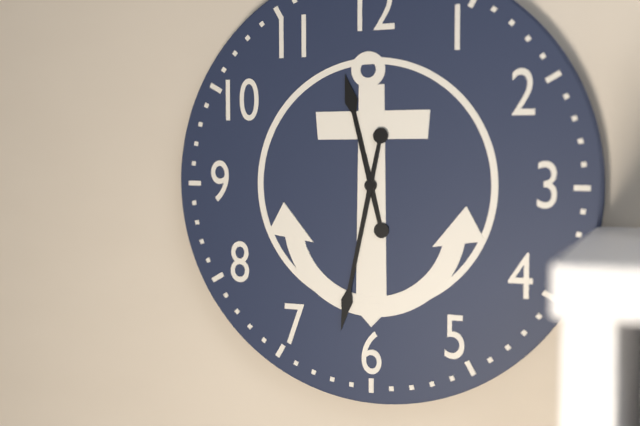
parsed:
**11:32**
